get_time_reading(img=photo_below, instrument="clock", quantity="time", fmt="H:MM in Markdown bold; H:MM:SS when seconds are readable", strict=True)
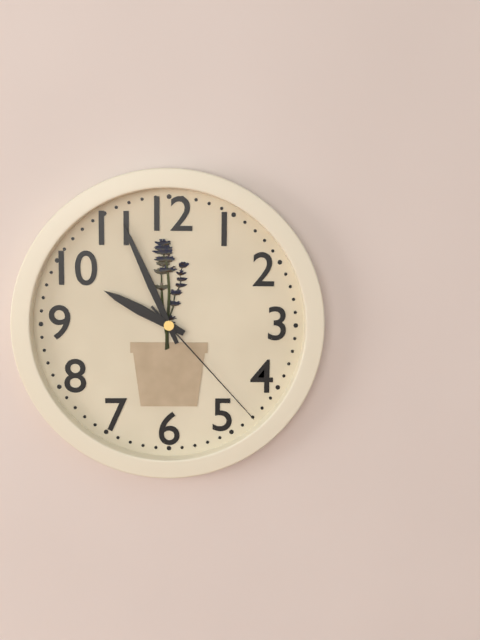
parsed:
**9:56:23**
